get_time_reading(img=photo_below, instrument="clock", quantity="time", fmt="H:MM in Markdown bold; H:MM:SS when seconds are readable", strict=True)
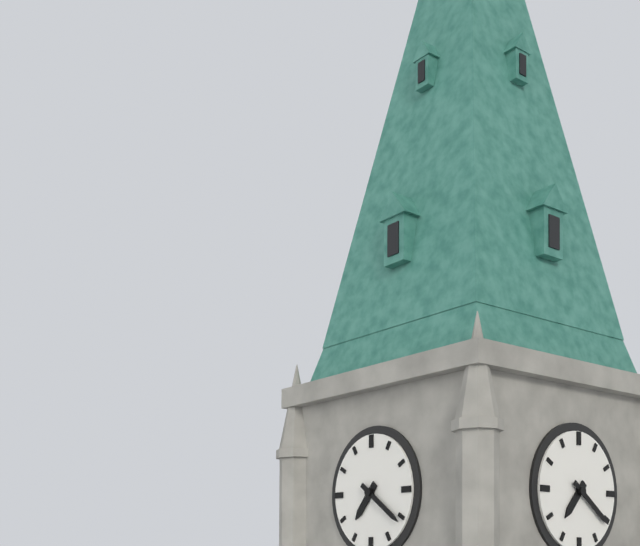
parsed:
**7:21**
